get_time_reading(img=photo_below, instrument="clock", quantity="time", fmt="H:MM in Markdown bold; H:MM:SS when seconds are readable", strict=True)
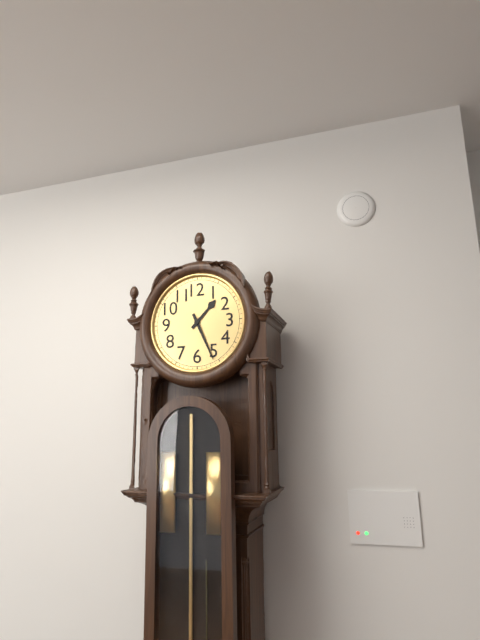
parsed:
**1:26**
